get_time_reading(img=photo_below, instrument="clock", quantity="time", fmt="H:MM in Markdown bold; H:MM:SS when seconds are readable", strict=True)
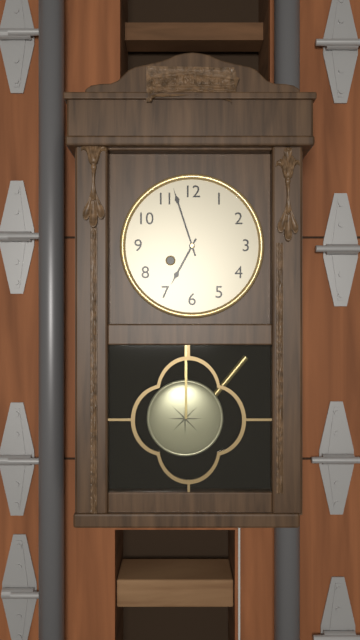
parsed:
**6:57**
